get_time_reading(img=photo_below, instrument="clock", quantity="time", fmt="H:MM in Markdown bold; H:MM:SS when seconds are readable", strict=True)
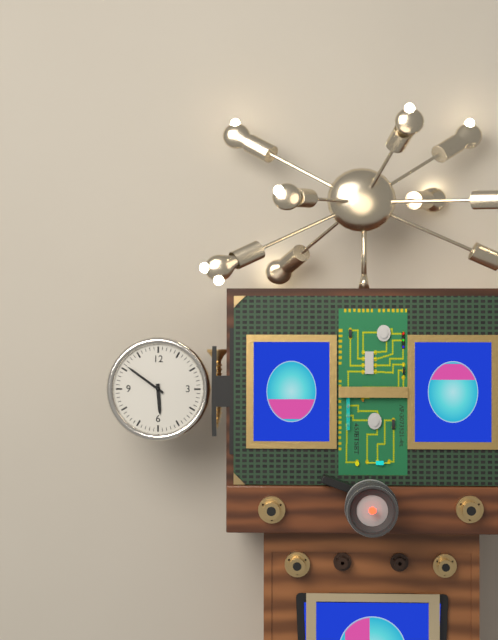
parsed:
**5:51**
